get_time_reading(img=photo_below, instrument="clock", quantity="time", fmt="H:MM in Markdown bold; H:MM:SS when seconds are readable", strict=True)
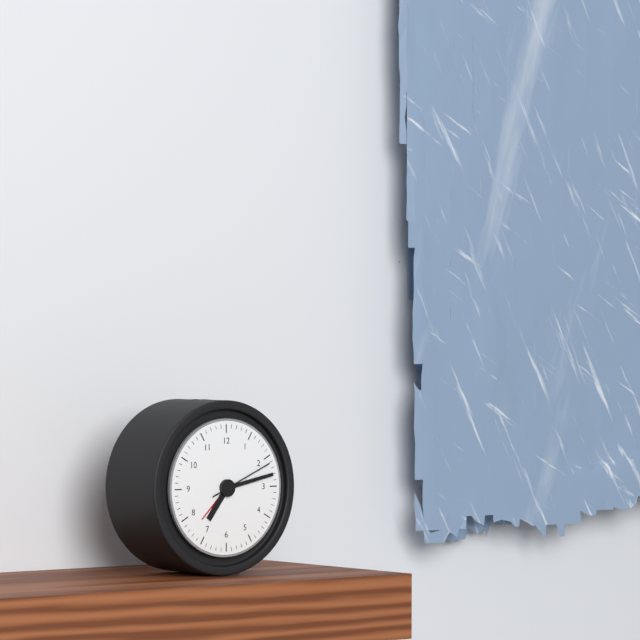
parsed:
**7:13:11**
